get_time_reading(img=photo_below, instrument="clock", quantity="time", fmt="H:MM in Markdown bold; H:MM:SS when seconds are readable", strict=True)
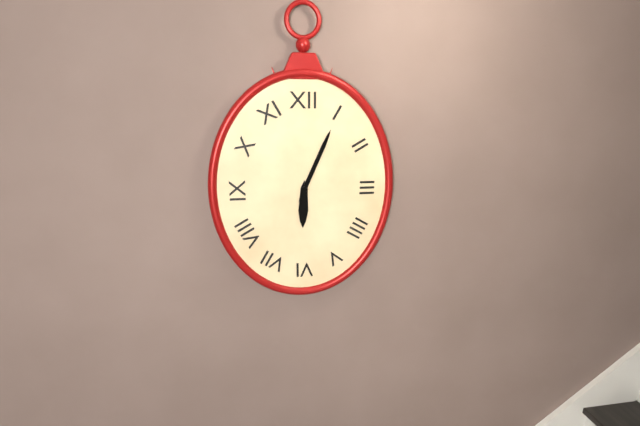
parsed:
**6:04**
